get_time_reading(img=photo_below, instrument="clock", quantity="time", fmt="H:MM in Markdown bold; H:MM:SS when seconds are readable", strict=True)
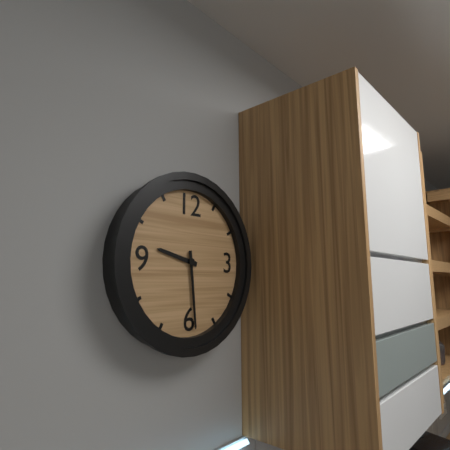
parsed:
**9:29**
